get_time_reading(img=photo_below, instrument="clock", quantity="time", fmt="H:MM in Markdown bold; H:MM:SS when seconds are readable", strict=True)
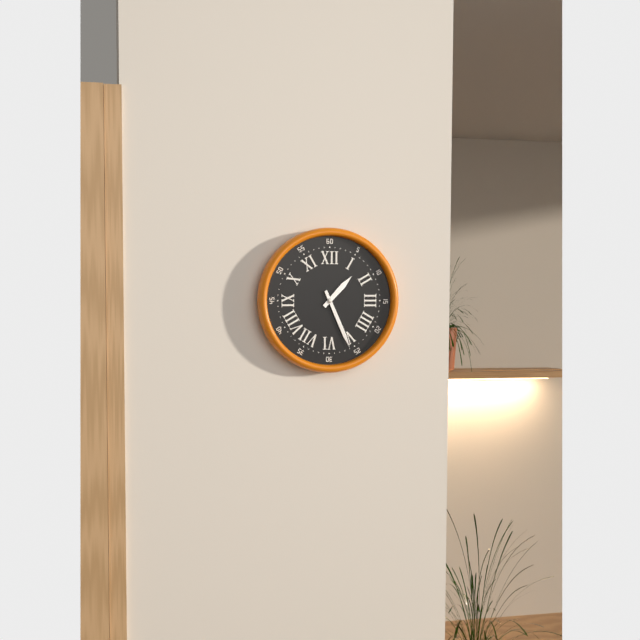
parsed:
**1:26**
